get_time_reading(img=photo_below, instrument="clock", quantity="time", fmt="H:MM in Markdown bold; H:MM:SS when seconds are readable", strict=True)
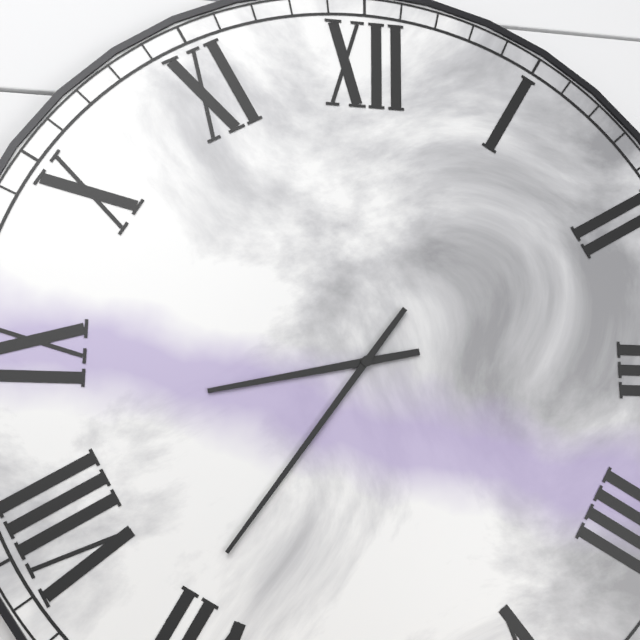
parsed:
**8:36**
